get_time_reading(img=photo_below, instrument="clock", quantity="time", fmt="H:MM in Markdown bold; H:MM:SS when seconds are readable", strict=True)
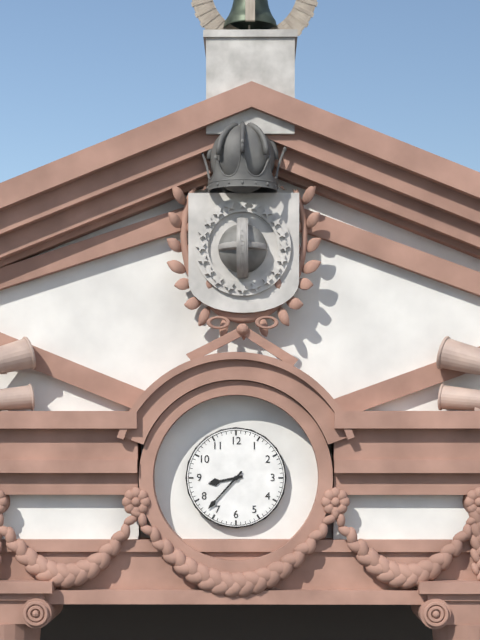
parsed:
**8:37**
